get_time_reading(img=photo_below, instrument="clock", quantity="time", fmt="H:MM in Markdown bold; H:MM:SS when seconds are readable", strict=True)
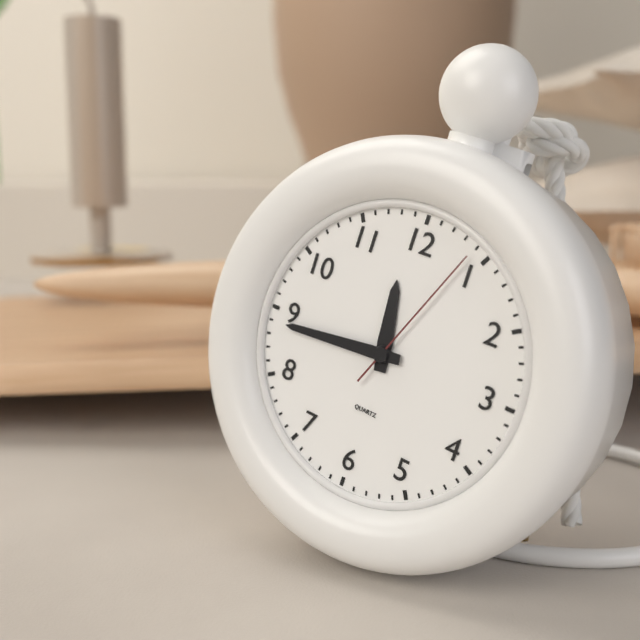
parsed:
**11:44:04**
